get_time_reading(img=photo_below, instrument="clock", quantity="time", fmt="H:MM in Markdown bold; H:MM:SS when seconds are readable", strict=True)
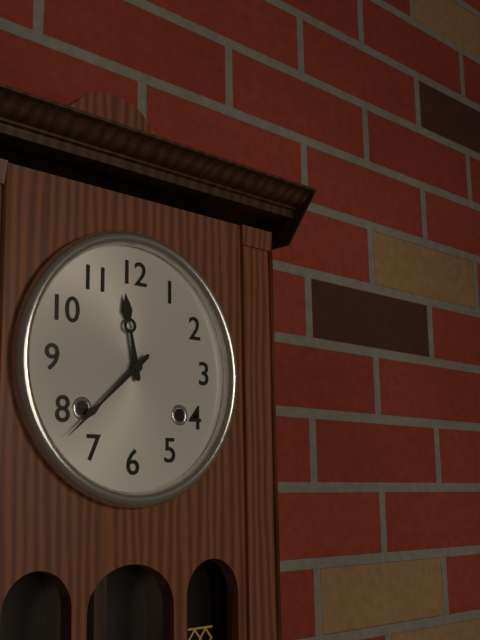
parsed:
**11:38**
